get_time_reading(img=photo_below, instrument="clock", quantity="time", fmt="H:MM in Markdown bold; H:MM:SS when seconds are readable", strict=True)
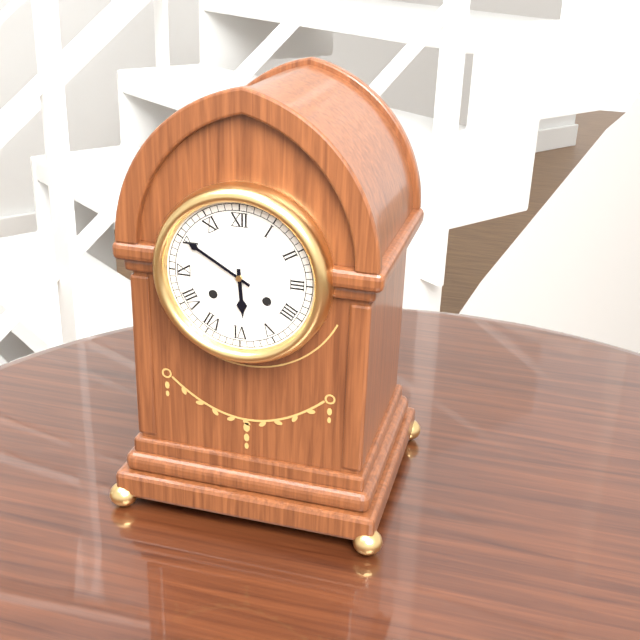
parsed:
**5:50**
